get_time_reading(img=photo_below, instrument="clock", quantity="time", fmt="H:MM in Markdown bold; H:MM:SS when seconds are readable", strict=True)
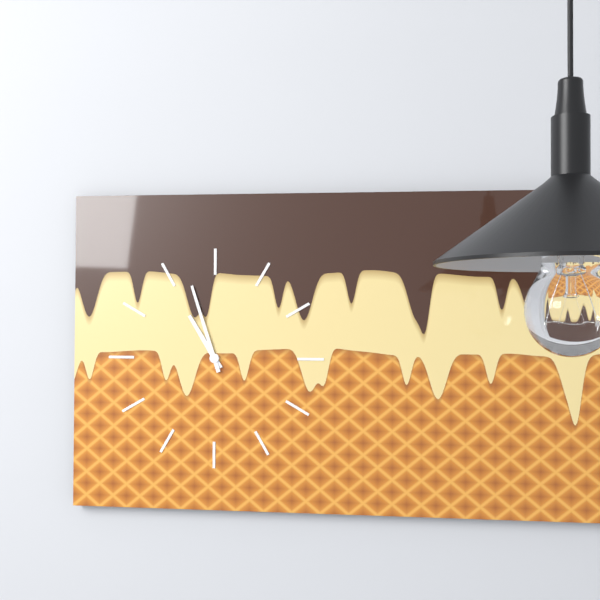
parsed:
**10:57**
